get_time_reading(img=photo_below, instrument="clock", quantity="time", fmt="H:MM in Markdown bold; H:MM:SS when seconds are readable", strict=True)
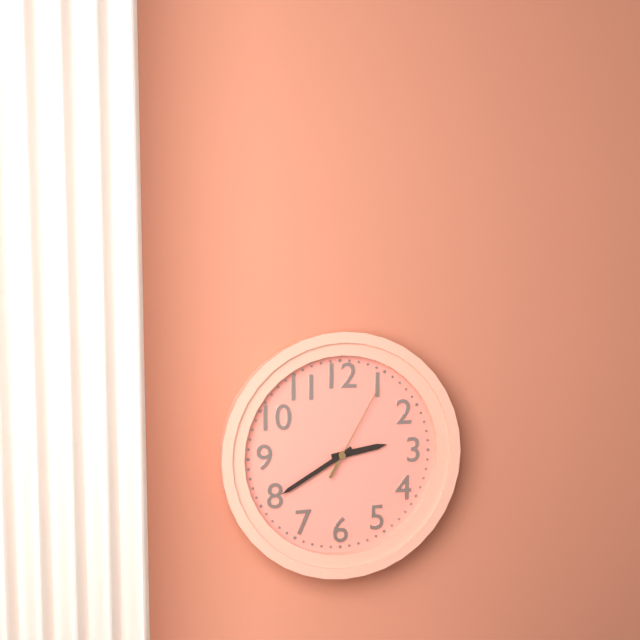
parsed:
**2:40:05**
